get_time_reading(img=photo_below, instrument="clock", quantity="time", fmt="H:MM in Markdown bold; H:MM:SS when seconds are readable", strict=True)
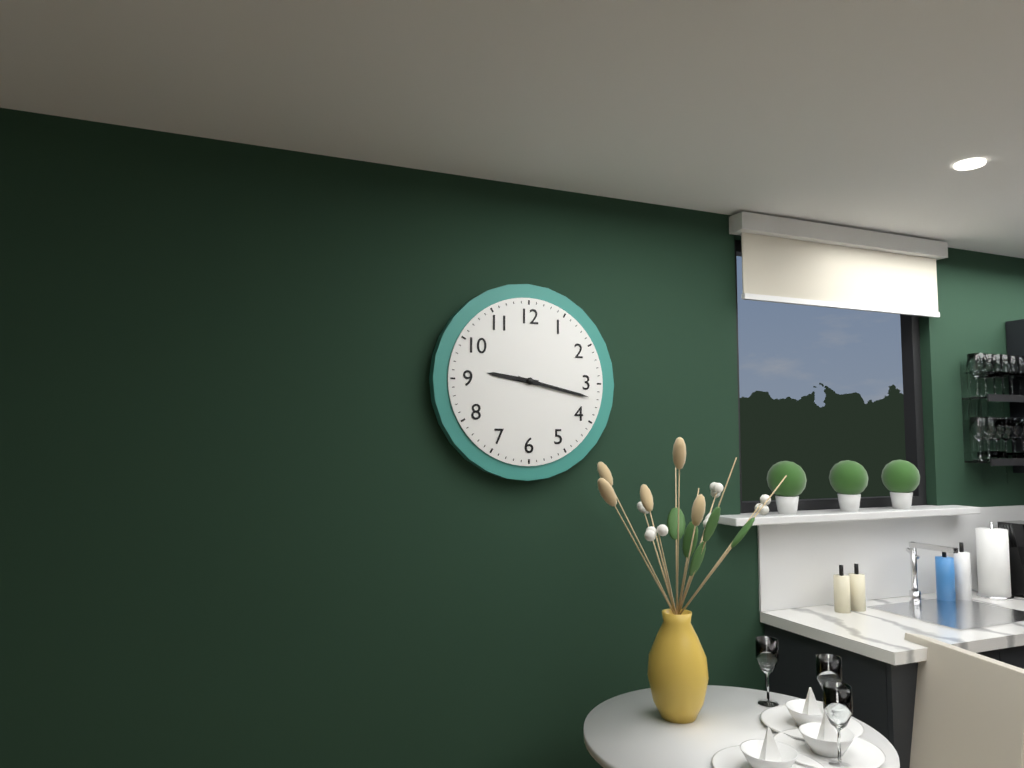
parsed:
**9:17**
